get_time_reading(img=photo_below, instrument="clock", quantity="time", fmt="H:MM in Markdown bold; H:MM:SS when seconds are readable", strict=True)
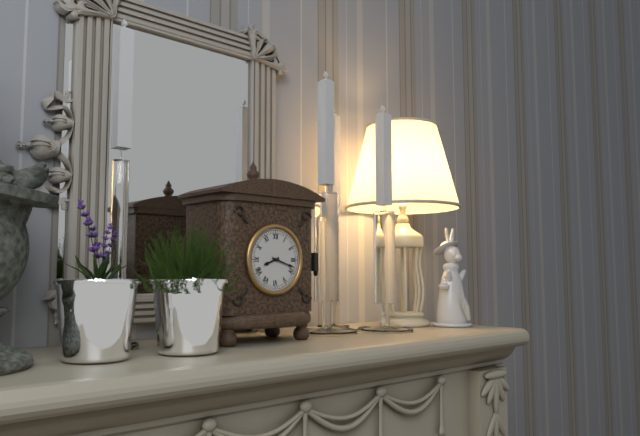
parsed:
**8:18**
